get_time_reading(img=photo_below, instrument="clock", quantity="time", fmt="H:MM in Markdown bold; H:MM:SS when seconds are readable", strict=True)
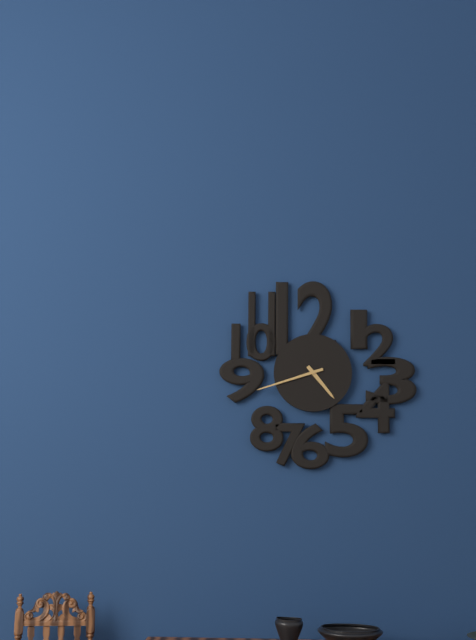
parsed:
**4:42**
